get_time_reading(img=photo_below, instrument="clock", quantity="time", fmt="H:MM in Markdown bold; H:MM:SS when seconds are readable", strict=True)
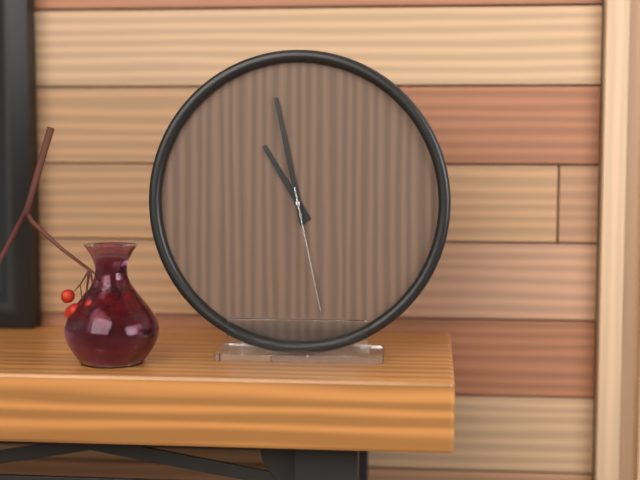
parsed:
**10:58:28**
